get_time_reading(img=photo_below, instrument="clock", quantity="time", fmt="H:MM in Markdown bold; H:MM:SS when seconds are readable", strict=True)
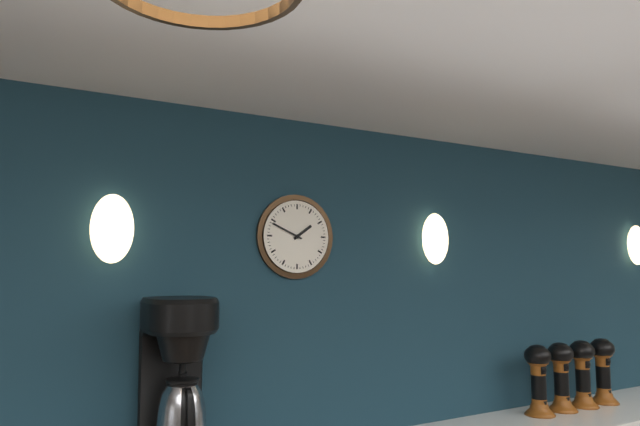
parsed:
**1:49**
